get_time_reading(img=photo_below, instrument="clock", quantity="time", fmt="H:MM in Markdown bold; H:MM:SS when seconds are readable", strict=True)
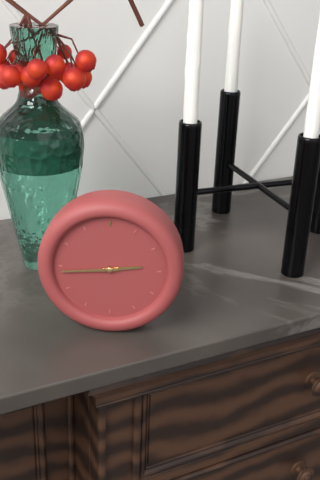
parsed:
**2:44**
